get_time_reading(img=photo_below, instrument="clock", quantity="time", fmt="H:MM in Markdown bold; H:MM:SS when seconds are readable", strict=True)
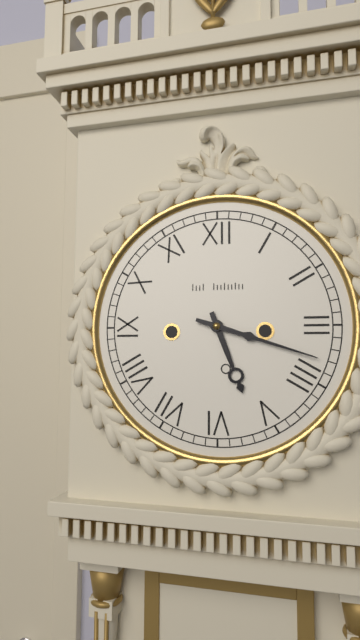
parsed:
**5:18**
